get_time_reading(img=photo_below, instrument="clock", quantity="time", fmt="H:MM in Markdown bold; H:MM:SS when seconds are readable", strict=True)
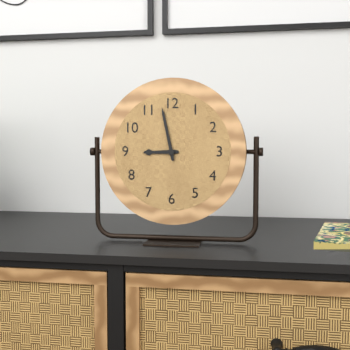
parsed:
**8:58**
